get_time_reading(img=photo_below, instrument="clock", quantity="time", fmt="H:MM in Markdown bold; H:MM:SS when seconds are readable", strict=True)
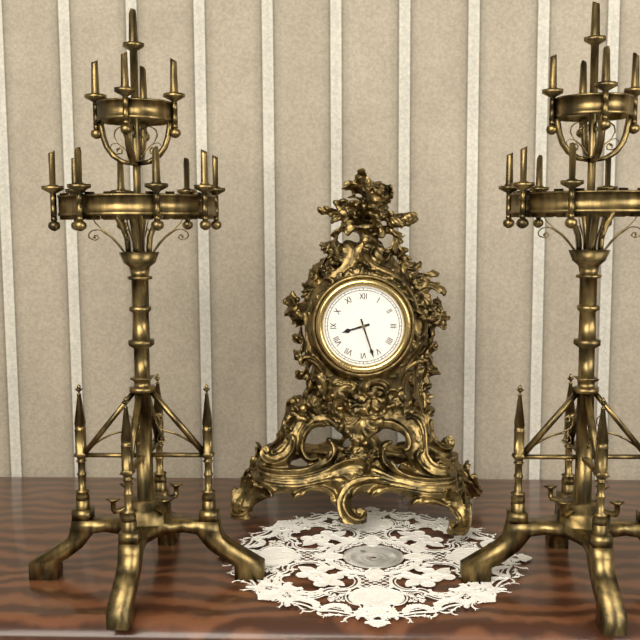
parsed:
**8:27**
